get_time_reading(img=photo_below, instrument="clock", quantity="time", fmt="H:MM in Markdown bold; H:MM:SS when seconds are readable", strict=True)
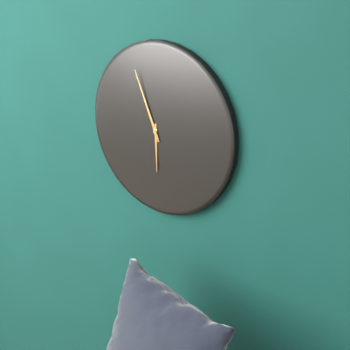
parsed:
**5:56**
